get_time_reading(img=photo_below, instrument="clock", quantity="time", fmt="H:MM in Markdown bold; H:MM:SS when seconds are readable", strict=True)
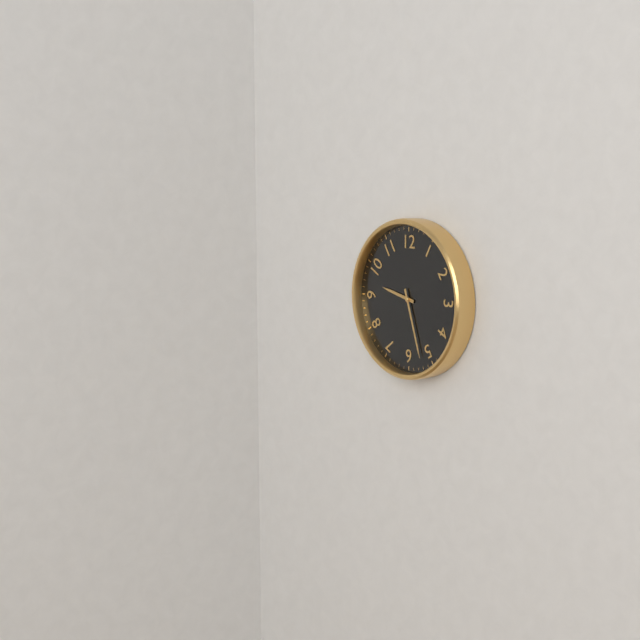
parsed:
**9:27**
